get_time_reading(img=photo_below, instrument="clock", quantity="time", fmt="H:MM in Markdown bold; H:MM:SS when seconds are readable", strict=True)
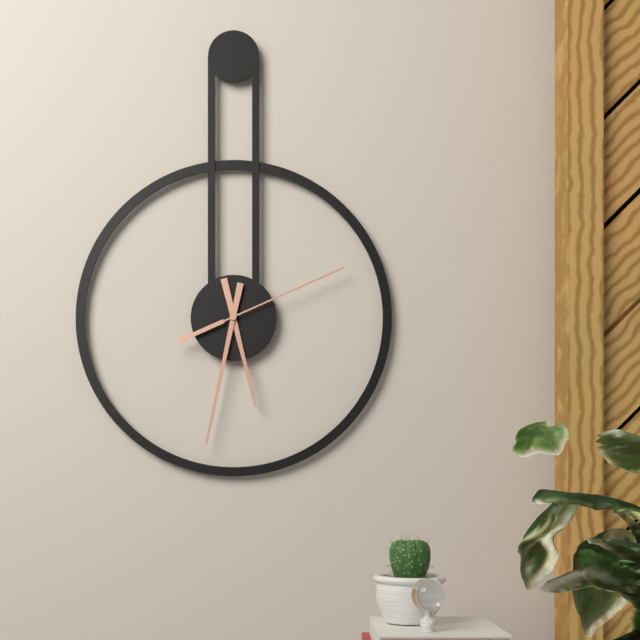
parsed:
**5:32:11**
